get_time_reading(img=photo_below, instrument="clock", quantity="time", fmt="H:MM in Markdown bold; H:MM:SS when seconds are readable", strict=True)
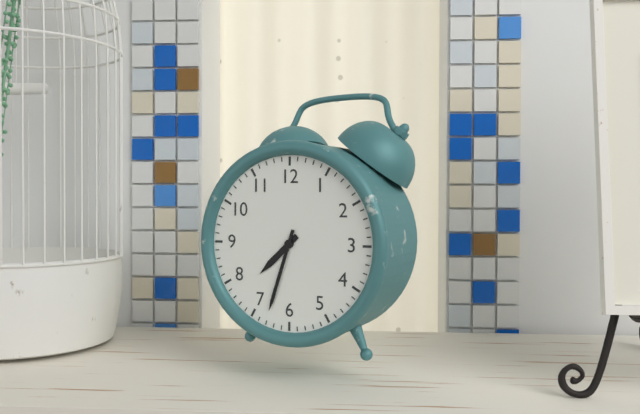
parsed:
**7:33**
